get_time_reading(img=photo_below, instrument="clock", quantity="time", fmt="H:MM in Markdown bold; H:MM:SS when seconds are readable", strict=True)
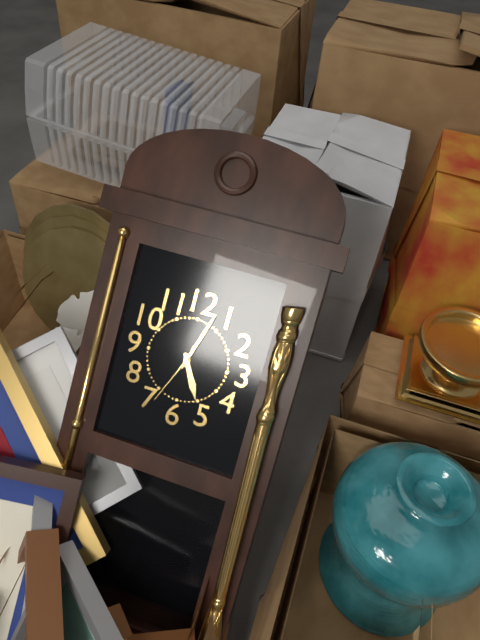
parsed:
**5:03:34**
